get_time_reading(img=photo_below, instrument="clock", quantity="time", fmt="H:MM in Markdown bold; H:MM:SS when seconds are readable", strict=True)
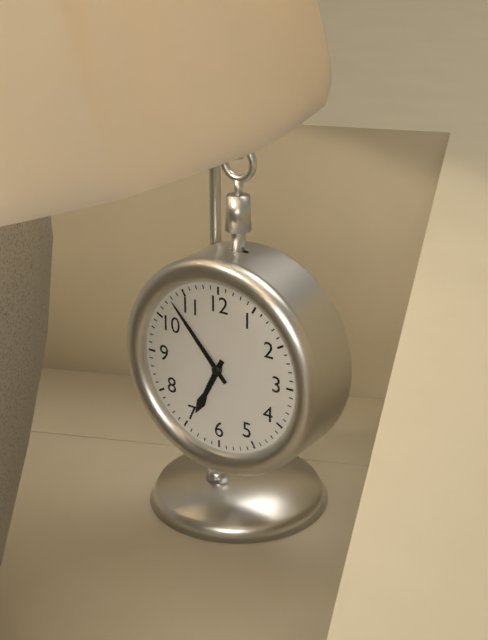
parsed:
**6:53**
